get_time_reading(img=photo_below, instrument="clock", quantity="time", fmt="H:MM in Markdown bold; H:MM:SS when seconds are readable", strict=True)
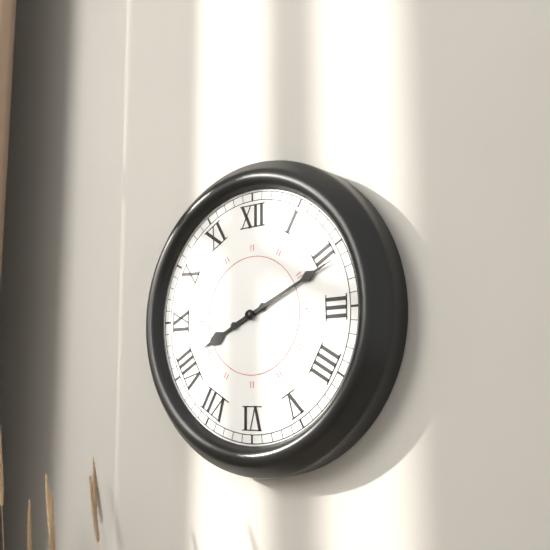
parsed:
**8:11**
